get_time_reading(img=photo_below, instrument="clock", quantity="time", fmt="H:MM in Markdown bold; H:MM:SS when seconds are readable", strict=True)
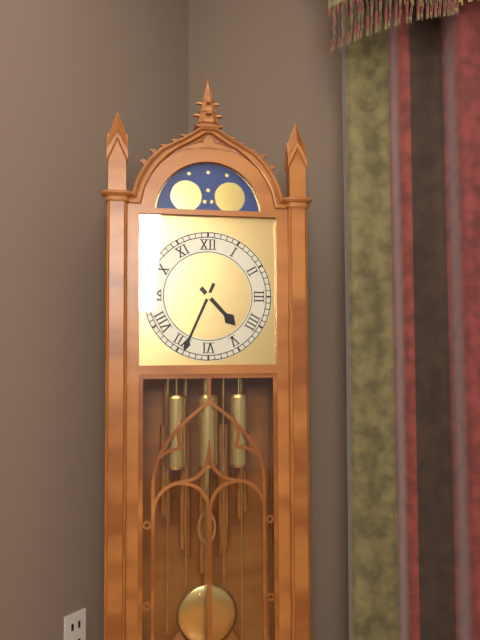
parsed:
**4:34**
